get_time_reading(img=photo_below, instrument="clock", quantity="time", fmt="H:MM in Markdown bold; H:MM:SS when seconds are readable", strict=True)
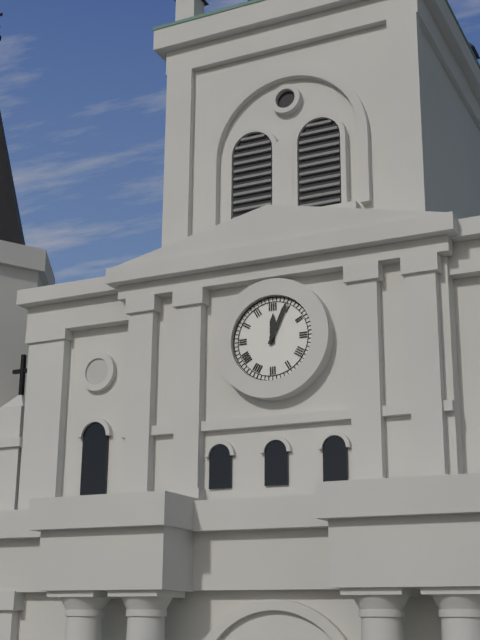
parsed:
**12:04**
